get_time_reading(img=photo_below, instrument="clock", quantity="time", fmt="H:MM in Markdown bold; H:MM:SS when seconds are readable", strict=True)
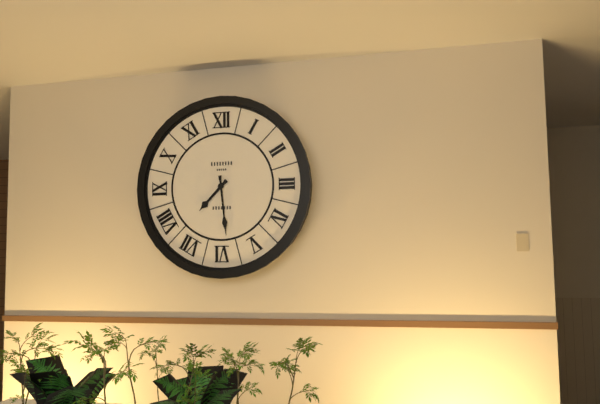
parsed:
**7:29**
